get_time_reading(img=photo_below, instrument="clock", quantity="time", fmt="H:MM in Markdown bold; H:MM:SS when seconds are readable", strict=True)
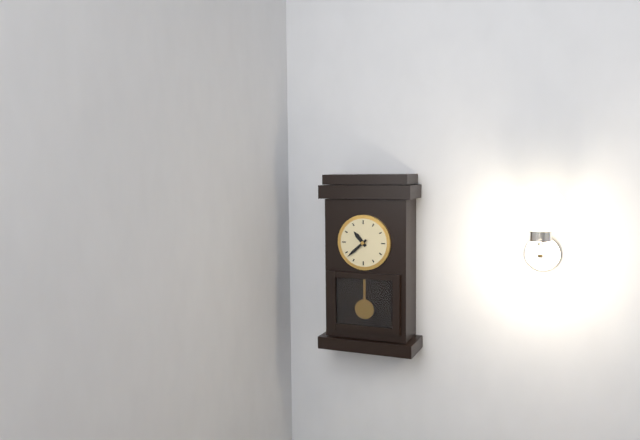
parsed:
**10:38**
